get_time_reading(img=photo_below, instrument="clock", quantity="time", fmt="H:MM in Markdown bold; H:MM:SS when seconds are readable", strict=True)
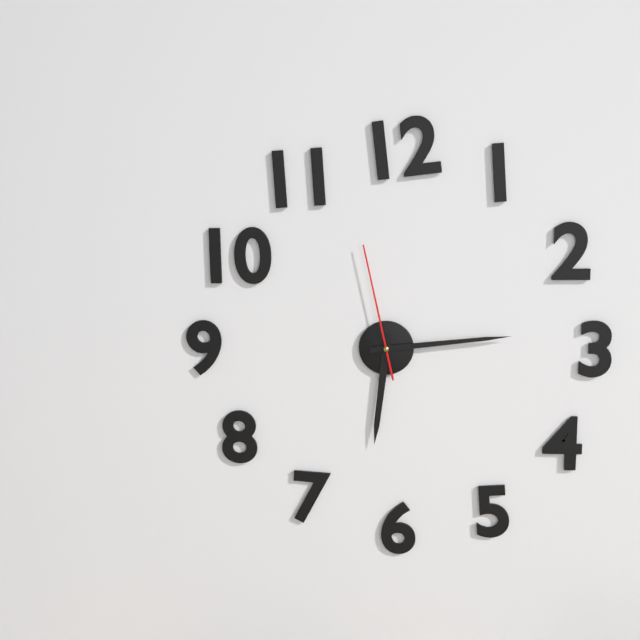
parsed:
**6:14:58**
